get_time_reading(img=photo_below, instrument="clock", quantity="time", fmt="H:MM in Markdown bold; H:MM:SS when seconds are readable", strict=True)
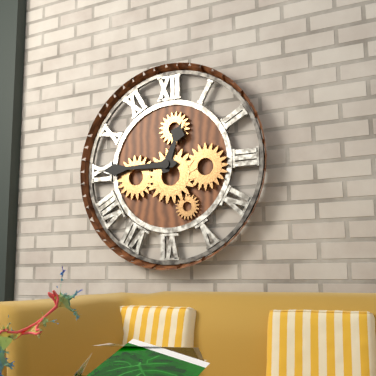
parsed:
**12:45**
